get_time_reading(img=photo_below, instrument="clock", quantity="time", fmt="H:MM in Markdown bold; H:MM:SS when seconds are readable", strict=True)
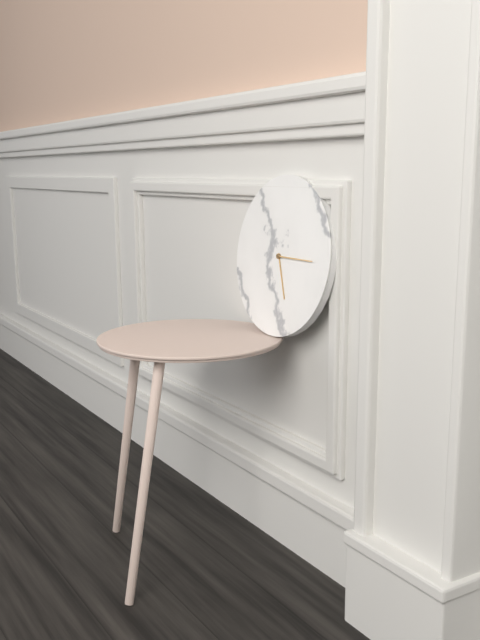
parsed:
**5:15**
